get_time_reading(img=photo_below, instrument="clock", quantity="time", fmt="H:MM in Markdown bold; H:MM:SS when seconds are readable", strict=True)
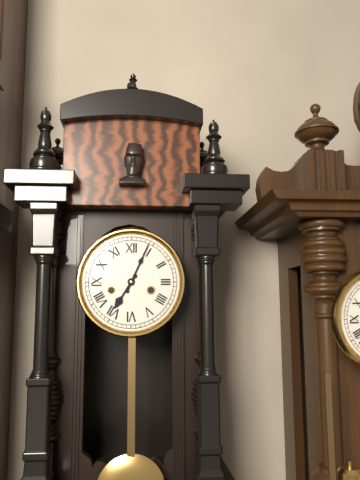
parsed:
**7:04**
